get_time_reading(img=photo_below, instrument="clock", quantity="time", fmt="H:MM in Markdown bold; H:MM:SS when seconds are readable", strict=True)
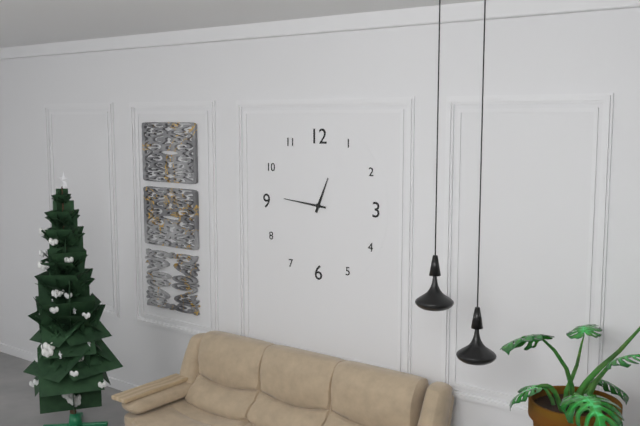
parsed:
**12:46**
